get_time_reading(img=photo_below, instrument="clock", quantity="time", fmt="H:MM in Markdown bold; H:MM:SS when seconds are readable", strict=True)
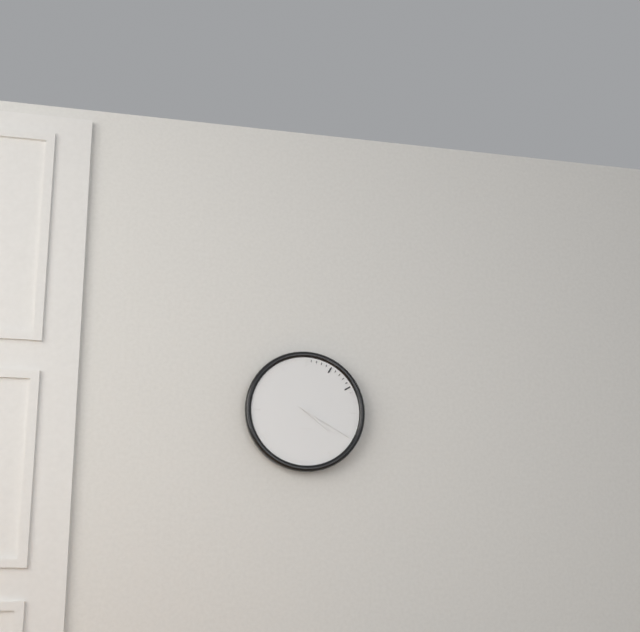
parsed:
**4:20**
